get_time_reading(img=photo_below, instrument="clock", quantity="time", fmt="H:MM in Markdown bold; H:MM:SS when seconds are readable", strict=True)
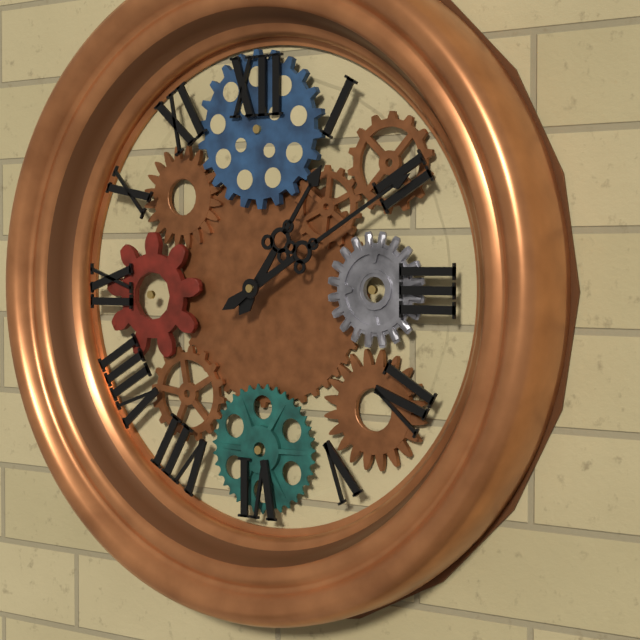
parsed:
**1:10**
